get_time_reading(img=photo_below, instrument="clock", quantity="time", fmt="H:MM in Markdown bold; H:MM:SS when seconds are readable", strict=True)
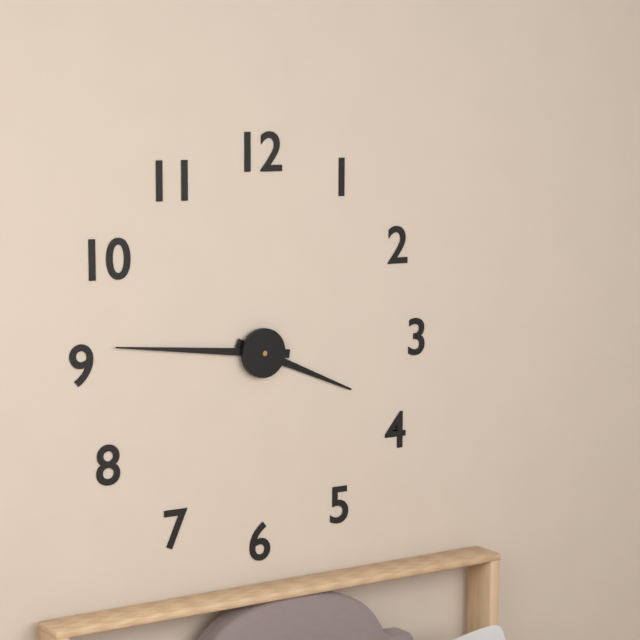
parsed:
**3:46**
